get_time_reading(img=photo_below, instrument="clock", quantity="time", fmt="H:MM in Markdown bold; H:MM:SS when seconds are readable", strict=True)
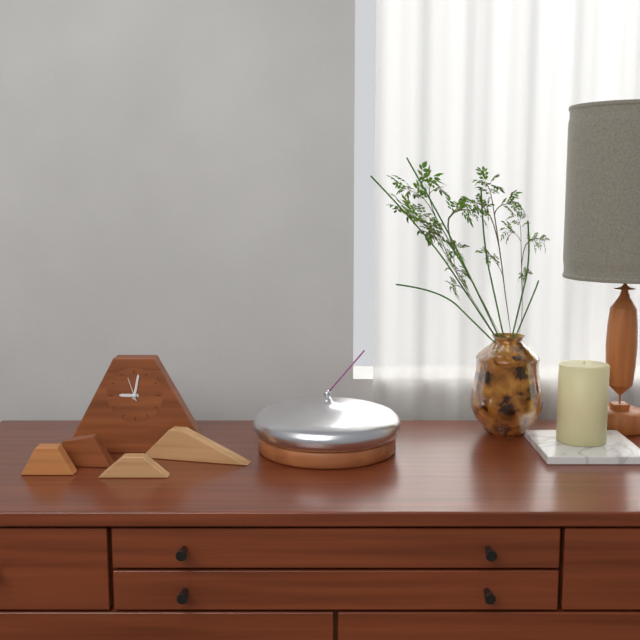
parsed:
**9:02**
